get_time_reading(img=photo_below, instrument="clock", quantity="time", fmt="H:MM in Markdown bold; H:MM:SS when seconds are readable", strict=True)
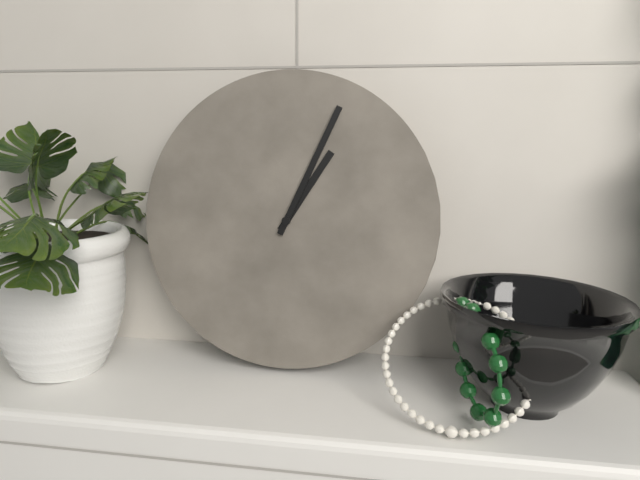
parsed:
**1:04**
